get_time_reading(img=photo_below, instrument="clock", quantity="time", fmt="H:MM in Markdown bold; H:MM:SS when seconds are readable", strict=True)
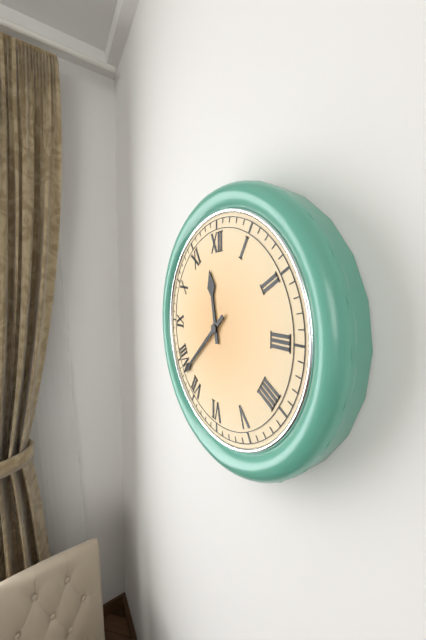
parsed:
**11:38**
